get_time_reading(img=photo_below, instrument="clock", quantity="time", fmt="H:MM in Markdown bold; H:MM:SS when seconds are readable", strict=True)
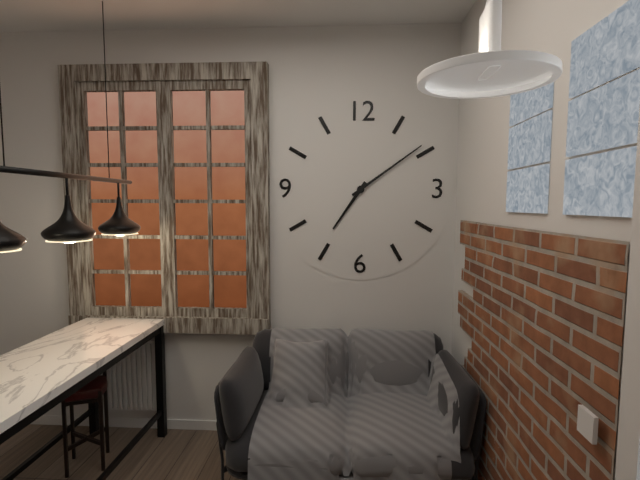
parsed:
**7:09**
